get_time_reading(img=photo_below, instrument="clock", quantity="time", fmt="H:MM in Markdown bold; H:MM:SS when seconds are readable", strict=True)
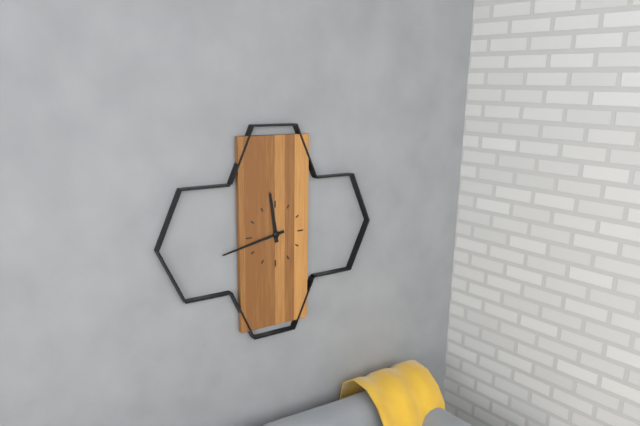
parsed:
**11:43**
